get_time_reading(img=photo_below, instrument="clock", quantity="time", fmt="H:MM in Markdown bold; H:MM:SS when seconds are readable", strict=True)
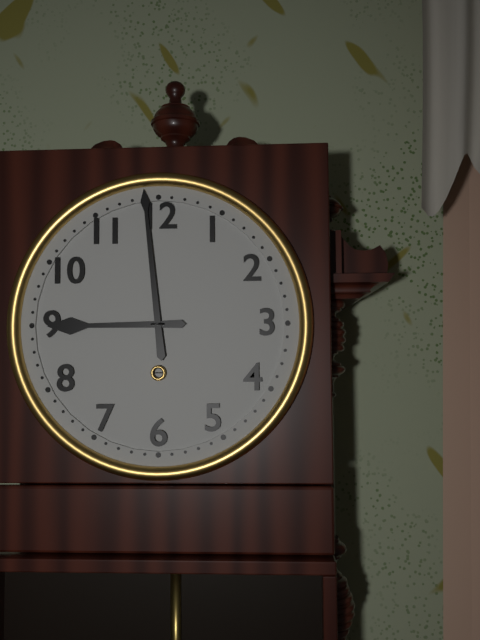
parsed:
**8:59**
